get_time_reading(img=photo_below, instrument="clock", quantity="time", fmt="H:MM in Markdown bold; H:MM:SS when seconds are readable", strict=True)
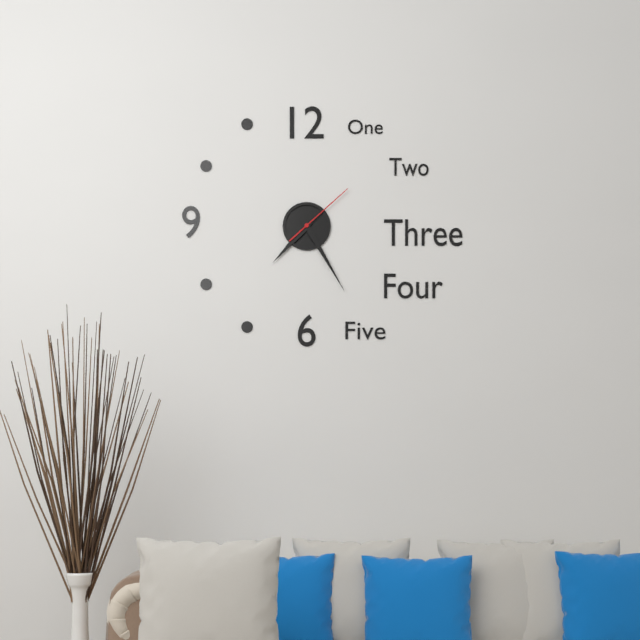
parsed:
**7:25:08**
